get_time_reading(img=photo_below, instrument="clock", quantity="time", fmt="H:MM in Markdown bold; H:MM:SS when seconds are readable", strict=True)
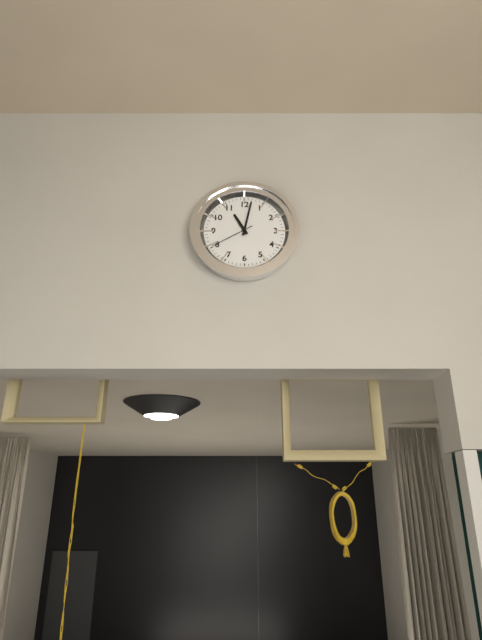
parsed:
**11:02**
